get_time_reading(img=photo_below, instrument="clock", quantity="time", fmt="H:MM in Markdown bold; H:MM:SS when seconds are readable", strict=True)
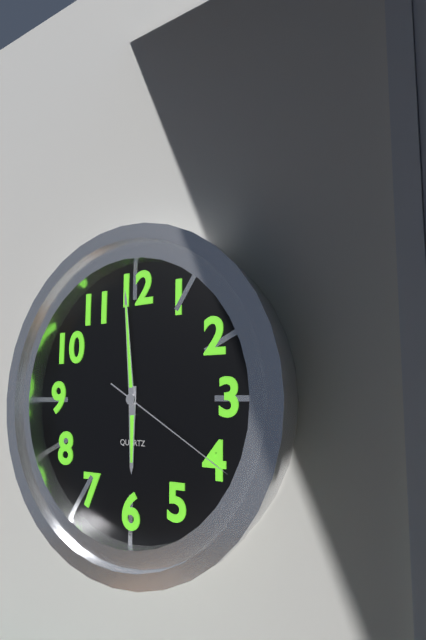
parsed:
**5:59:20**
